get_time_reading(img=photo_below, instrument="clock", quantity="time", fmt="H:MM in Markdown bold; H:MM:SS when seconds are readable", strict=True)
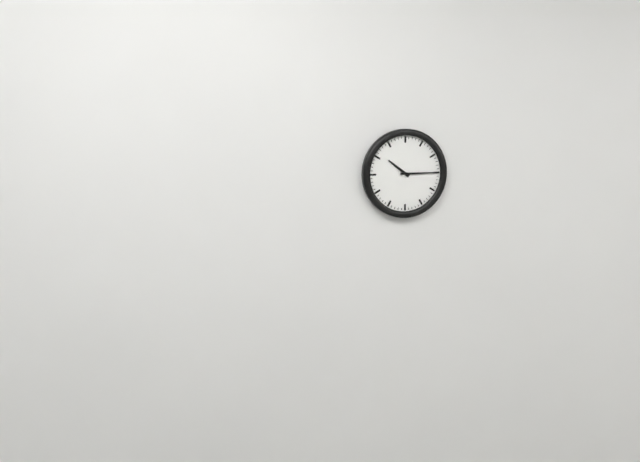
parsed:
**10:15**
